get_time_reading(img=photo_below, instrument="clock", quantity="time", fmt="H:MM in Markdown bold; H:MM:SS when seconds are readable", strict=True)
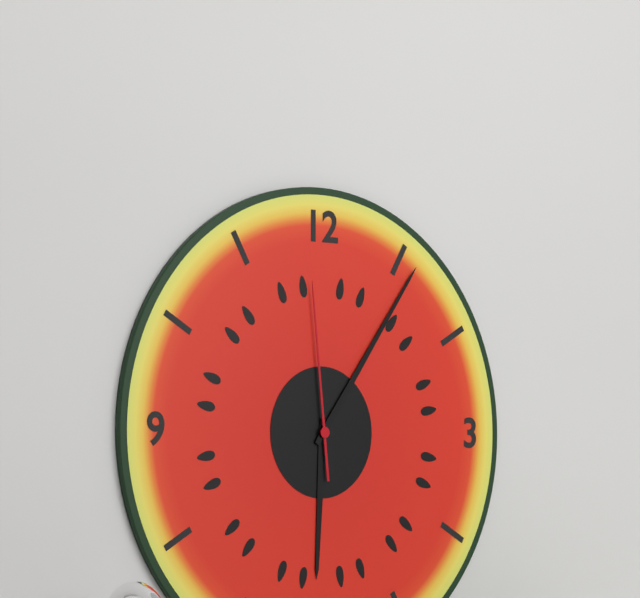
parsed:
**6:06:59**
